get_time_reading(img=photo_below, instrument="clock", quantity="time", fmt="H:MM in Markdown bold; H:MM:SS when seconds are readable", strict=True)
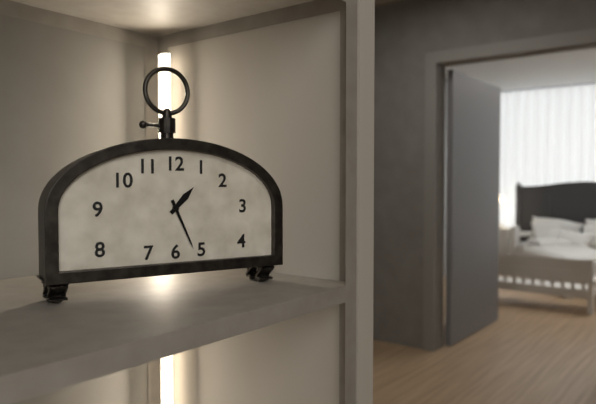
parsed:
**1:26**
